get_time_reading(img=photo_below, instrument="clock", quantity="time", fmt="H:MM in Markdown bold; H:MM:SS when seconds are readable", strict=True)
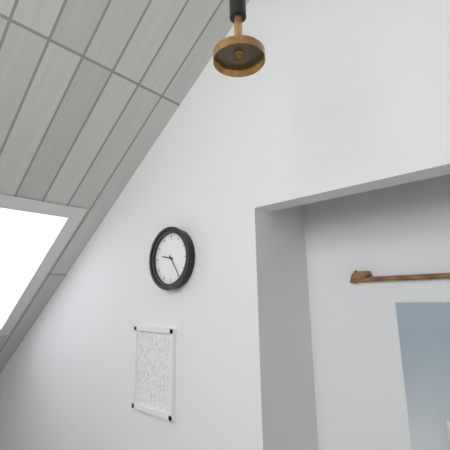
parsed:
**9:24**
